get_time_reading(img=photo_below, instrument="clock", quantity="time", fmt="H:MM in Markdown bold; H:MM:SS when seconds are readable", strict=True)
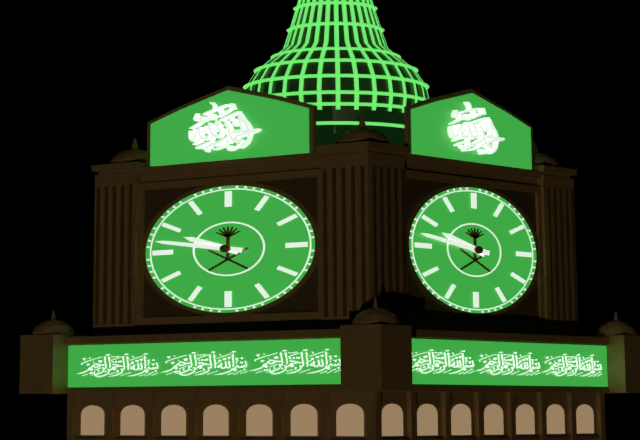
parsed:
**9:47**
